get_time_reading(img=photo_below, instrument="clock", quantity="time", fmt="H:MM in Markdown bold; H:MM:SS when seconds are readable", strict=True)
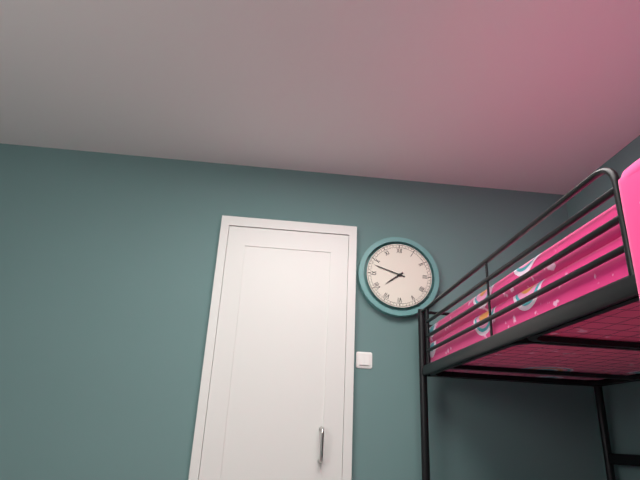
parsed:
**7:48**
